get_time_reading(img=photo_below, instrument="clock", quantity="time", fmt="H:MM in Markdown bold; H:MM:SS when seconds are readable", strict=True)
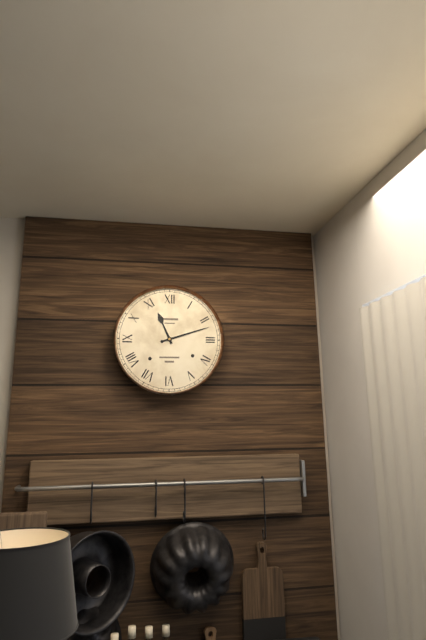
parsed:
**11:12**
